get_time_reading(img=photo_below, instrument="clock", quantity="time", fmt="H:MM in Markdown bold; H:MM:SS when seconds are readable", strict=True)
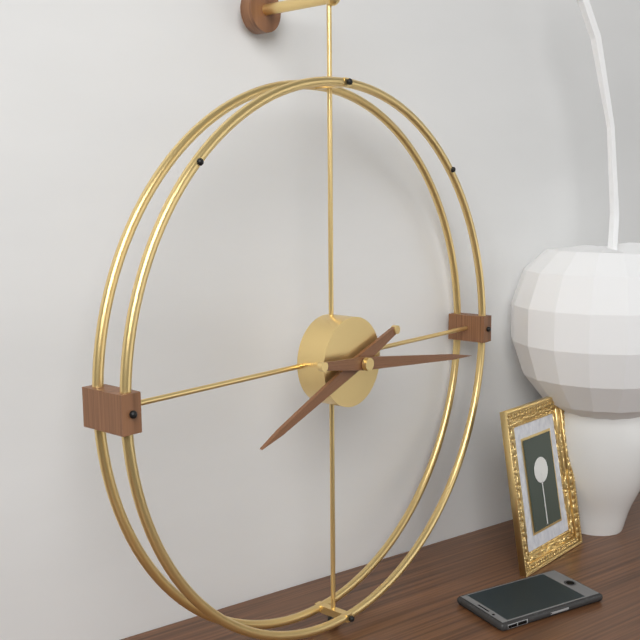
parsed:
**8:16**
